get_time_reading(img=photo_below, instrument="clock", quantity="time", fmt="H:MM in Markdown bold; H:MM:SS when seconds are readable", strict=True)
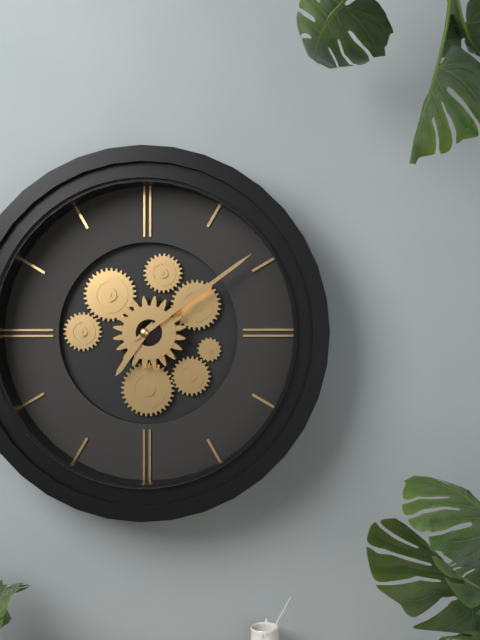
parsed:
**7:09**
